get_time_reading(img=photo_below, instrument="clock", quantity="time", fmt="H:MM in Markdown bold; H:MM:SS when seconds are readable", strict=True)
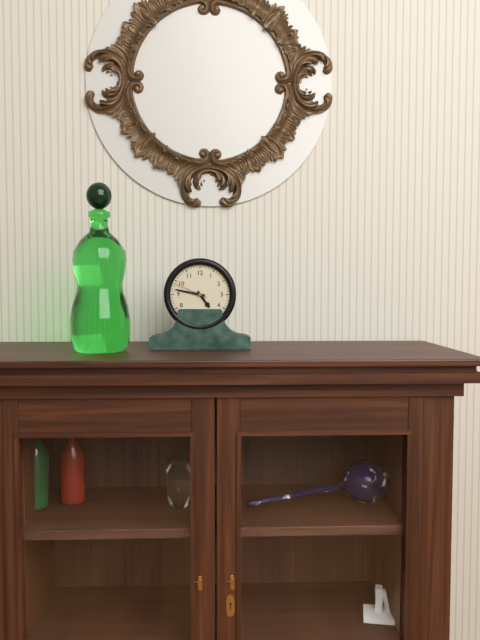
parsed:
**4:47**
